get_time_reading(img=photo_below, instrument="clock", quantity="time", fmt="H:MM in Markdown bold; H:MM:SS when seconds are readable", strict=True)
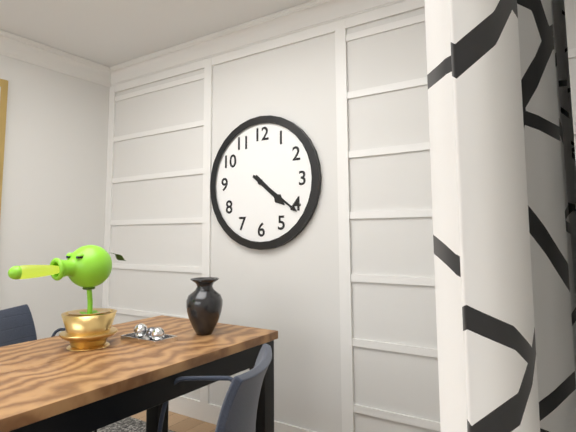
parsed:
**4:21**
